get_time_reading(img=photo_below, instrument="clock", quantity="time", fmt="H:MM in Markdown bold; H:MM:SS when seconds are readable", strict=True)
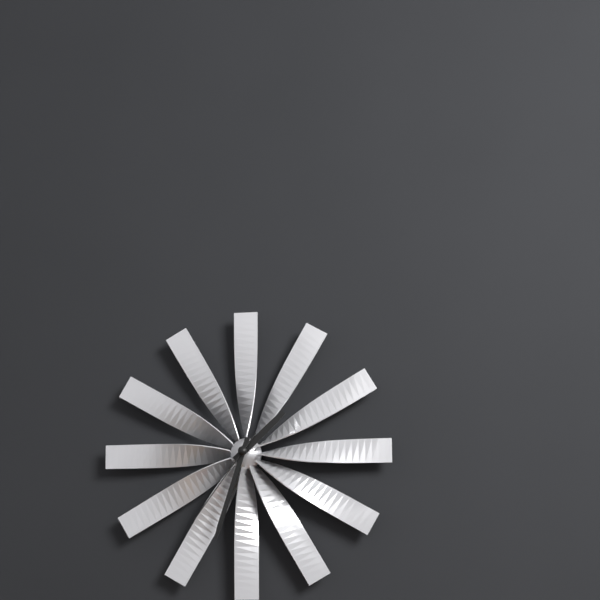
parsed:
**1:33:36**
